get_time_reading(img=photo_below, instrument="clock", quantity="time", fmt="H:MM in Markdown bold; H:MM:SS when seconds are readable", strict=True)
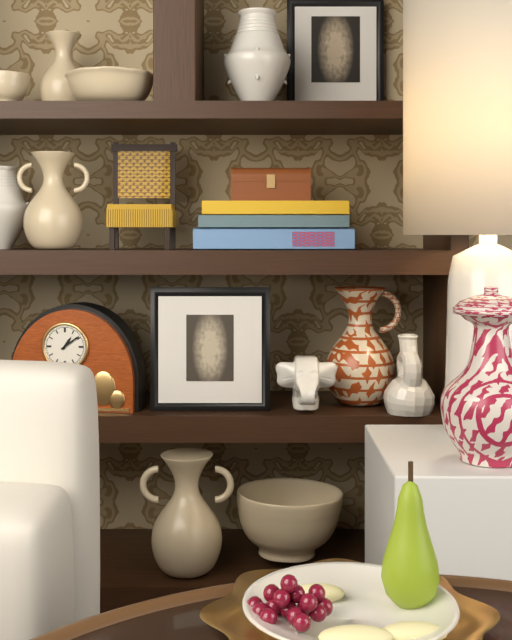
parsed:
**1:09**
